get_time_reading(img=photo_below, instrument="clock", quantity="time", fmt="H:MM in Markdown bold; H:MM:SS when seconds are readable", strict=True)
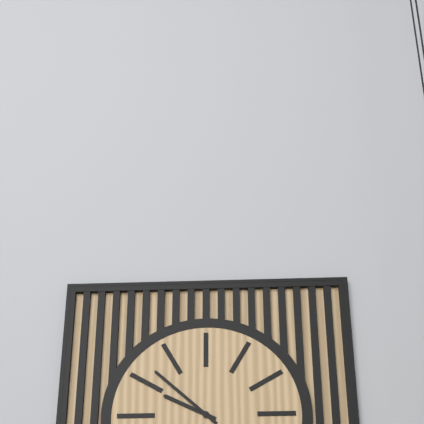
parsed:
**9:52**
